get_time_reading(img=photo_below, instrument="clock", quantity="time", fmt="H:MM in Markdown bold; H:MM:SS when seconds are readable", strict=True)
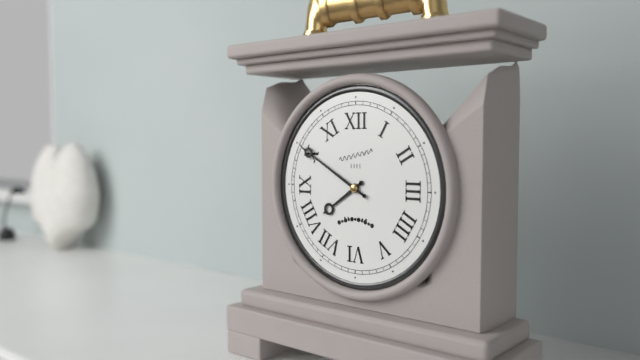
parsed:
**7:50**
